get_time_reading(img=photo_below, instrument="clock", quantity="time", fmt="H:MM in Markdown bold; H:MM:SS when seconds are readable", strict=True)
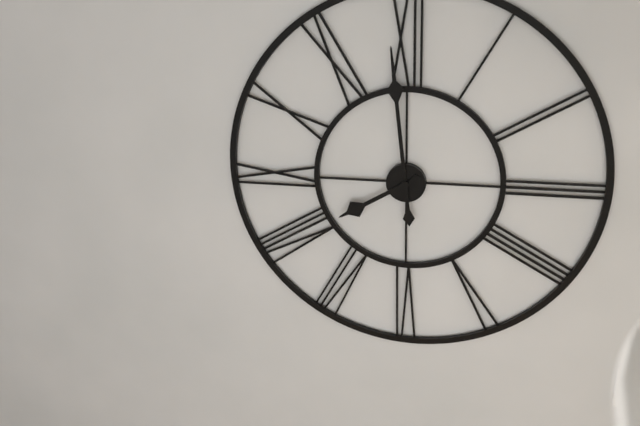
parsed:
**7:59**
